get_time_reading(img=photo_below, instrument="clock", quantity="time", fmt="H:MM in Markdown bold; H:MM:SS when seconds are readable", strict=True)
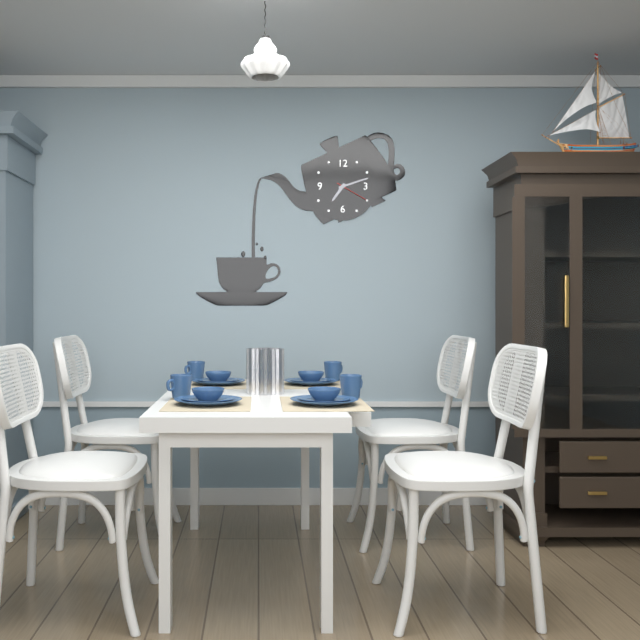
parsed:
**7:12**
